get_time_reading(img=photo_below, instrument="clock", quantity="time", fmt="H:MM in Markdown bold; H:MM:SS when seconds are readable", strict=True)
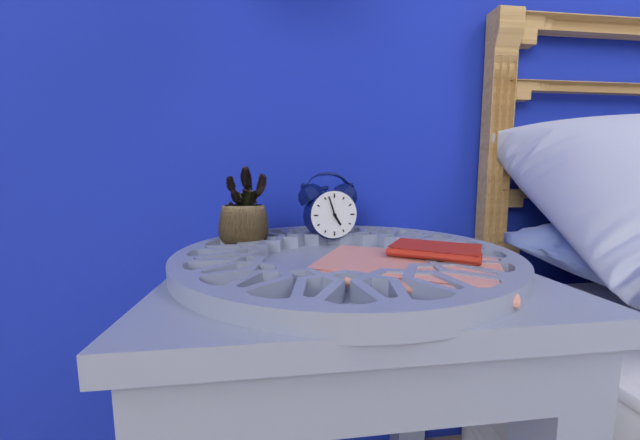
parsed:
**4:57**
